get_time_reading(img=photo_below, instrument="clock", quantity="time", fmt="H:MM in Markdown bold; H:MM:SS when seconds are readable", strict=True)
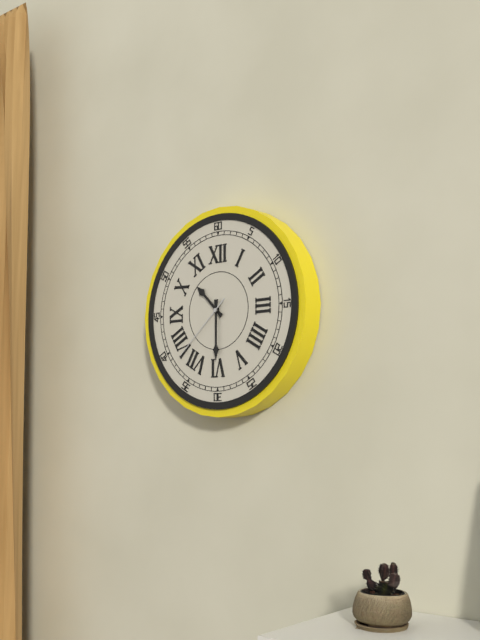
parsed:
**10:30:38**
